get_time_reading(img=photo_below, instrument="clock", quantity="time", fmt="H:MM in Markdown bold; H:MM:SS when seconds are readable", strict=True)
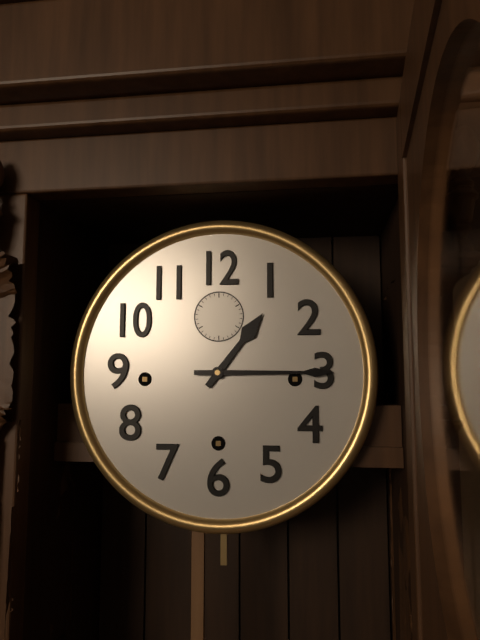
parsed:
**1:15**
